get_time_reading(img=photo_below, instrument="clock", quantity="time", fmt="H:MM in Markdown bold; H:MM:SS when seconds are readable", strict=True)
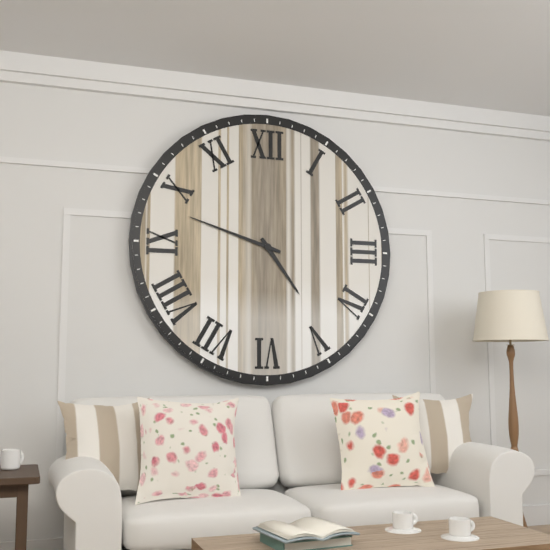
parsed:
**4:48**
